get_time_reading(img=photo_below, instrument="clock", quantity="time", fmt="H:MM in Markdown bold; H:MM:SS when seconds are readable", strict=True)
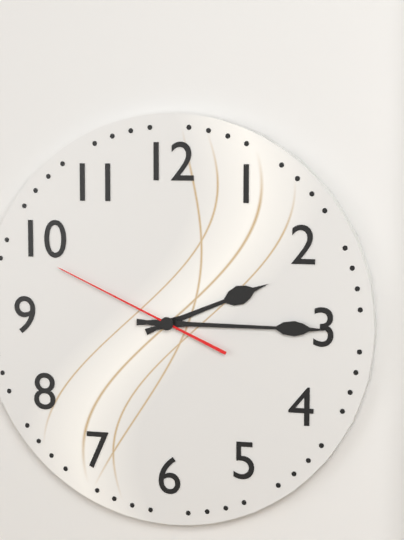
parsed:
**2:15:49**
